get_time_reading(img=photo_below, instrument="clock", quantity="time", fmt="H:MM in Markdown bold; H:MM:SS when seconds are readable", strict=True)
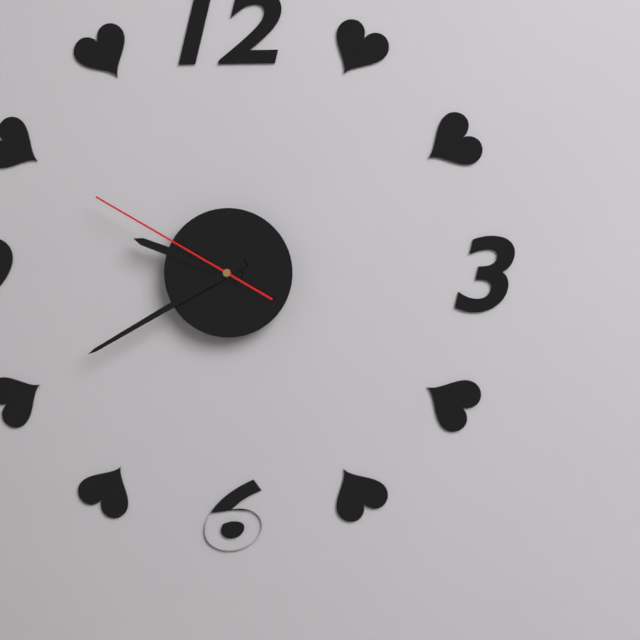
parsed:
**9:40:50**
